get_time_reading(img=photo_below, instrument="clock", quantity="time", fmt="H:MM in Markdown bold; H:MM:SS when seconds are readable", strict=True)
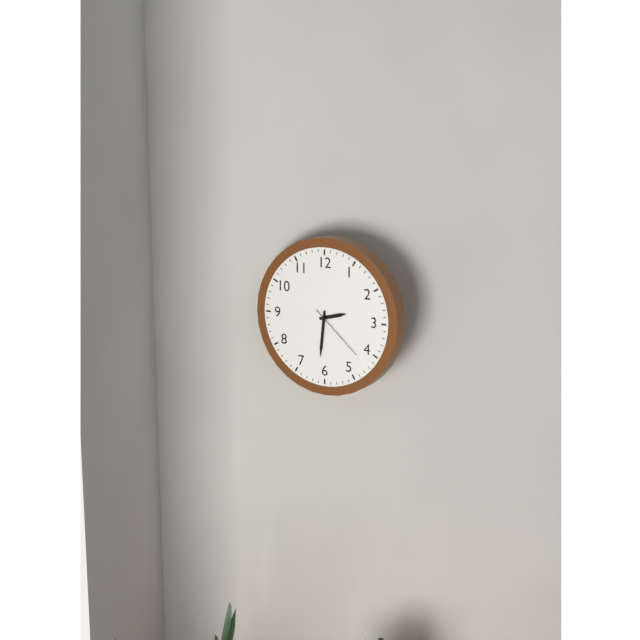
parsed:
**2:31:22**
